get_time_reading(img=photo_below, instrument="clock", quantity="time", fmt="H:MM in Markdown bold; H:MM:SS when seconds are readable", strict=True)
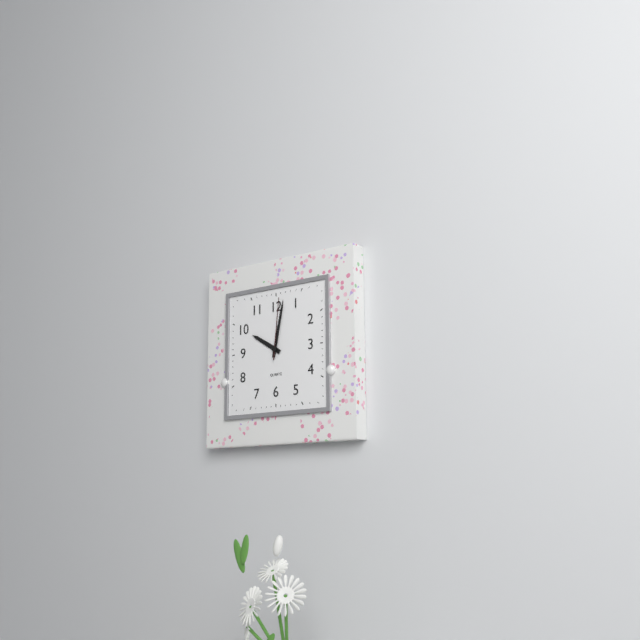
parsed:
**10:02:01**
